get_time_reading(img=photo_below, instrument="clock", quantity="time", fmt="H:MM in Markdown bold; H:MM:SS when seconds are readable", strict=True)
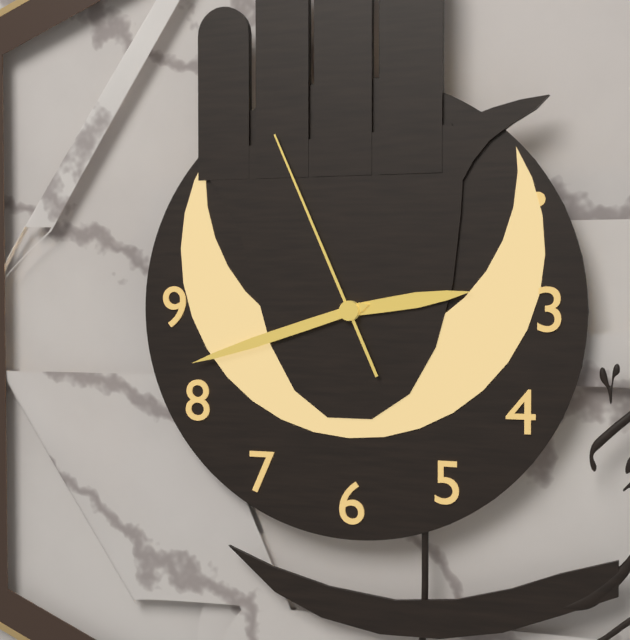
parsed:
**2:42:56**
